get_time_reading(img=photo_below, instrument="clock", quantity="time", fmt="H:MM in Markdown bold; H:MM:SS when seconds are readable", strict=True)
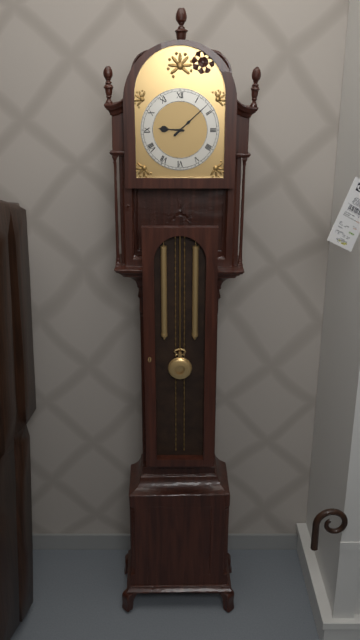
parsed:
**9:08**
